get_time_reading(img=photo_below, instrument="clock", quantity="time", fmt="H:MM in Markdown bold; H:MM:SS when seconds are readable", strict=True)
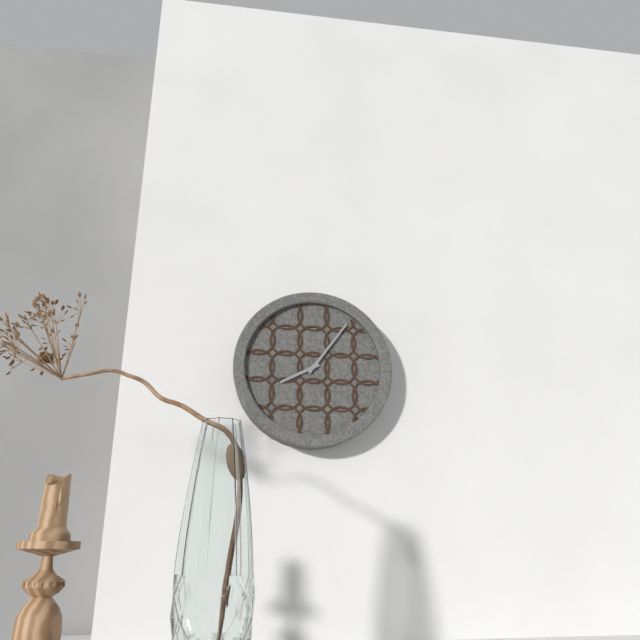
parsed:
**8:06**
